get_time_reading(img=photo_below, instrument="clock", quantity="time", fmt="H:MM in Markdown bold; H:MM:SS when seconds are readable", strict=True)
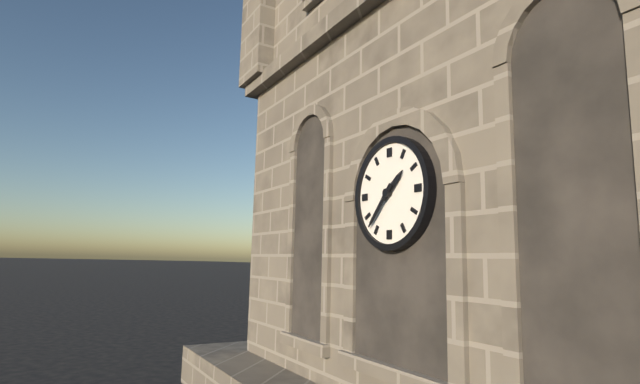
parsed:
**1:37**
